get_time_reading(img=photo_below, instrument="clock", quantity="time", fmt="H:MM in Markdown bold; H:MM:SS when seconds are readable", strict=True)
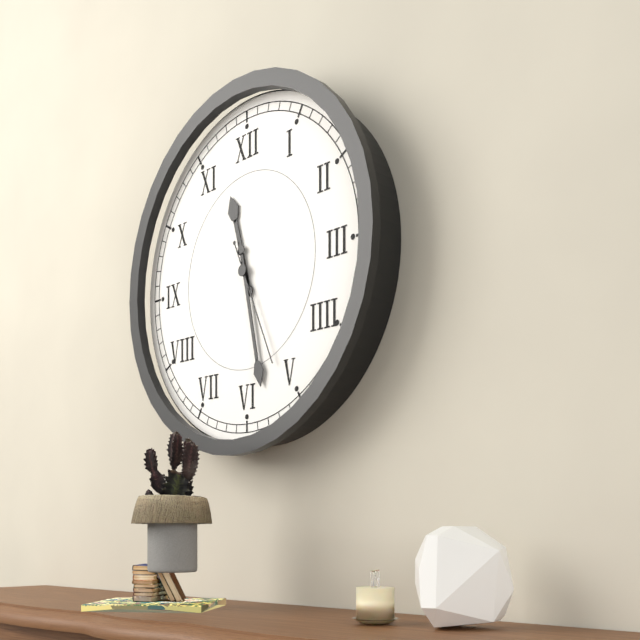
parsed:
**11:28:26**
